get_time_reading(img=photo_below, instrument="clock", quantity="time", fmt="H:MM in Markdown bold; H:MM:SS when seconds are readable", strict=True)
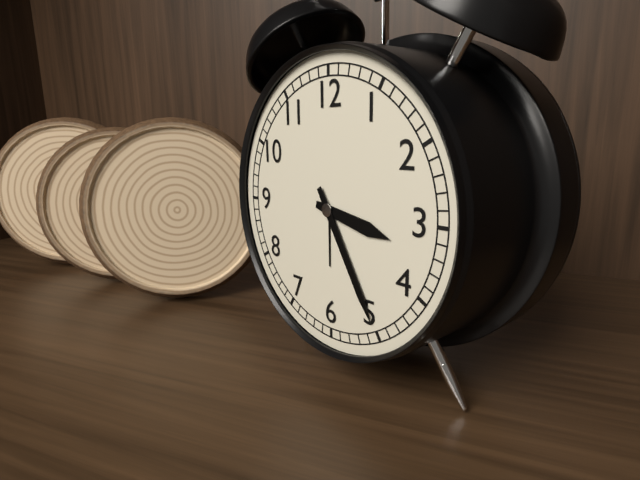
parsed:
**3:25**
